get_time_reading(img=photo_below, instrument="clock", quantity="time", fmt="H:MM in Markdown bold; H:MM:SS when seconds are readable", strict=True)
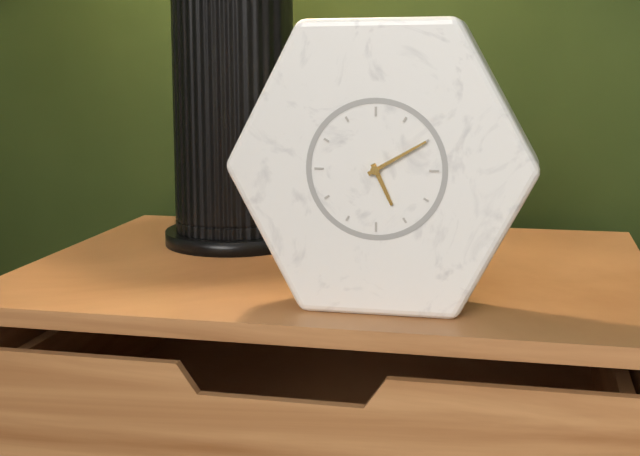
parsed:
**5:10**
